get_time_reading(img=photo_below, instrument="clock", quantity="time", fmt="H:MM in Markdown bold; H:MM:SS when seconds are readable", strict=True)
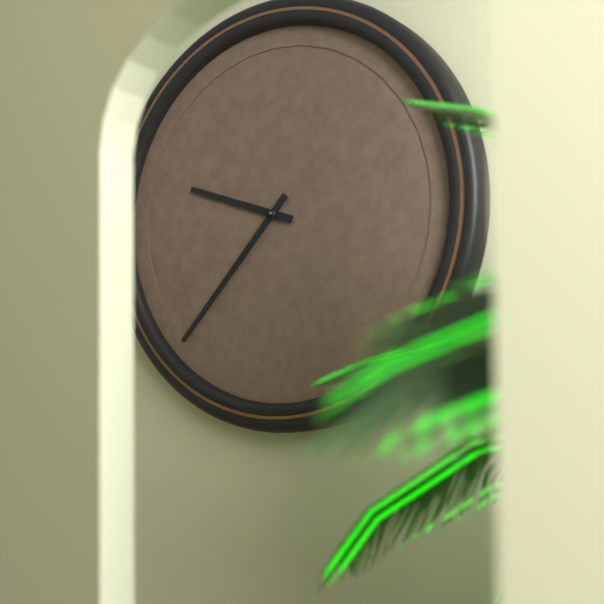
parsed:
**9:37**
